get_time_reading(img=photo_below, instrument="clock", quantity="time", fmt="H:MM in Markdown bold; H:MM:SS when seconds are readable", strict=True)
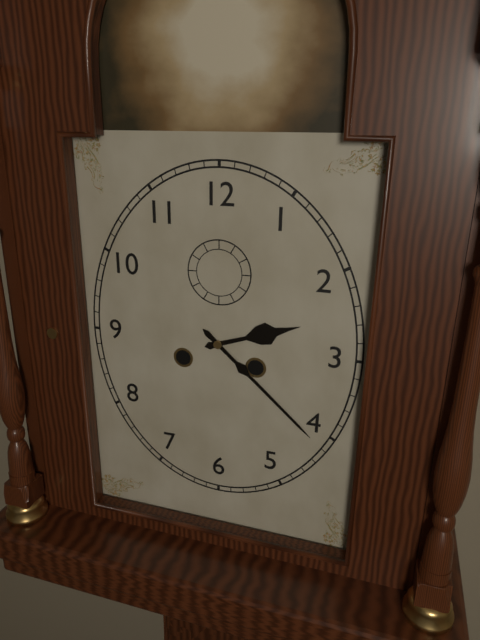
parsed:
**2:22**
